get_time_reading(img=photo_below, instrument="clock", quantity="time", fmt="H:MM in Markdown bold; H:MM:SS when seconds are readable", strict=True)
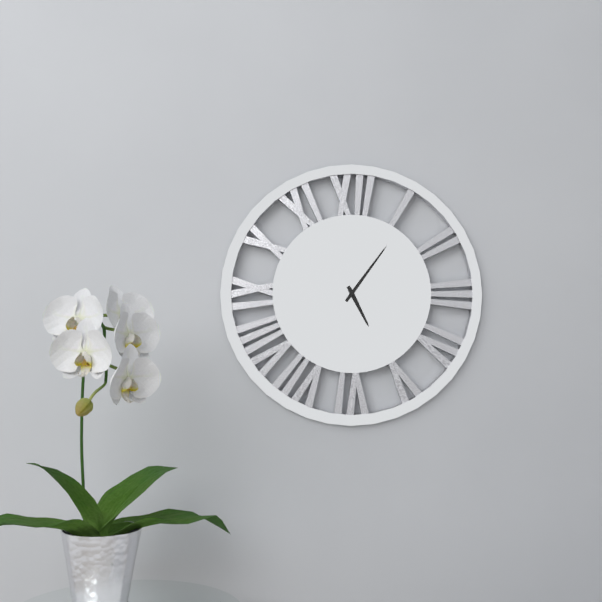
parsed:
**5:06**
